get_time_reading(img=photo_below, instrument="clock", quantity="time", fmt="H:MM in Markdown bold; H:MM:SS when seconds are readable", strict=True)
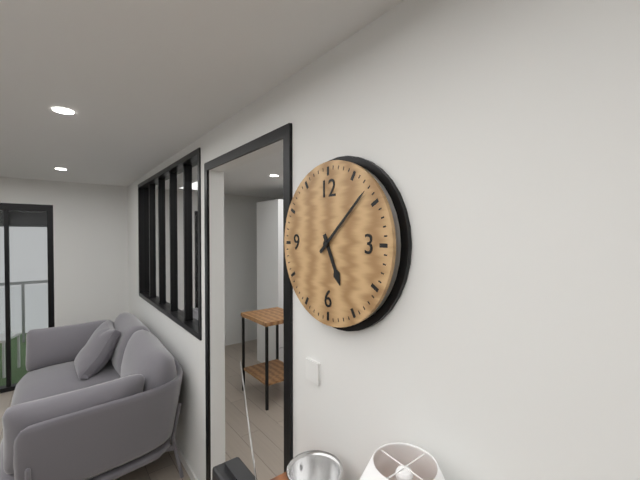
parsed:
**5:08**
